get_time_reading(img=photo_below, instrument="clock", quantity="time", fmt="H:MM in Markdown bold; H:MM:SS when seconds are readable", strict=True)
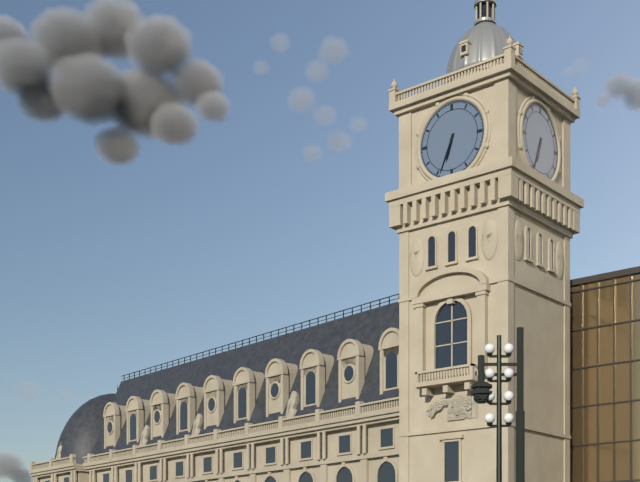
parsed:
**6:34**
